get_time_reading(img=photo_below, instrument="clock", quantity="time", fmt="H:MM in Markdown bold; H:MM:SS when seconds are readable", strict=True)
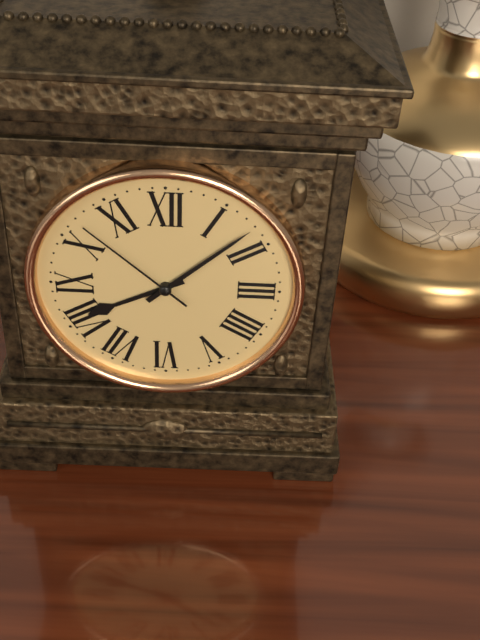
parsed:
**8:08:52**
